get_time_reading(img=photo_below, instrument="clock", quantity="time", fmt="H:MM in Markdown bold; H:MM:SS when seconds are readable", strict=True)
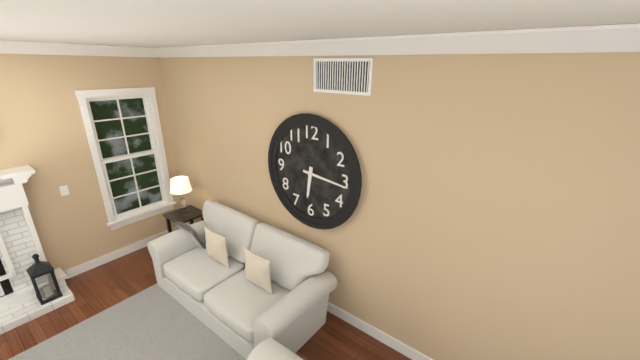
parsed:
**6:16**
